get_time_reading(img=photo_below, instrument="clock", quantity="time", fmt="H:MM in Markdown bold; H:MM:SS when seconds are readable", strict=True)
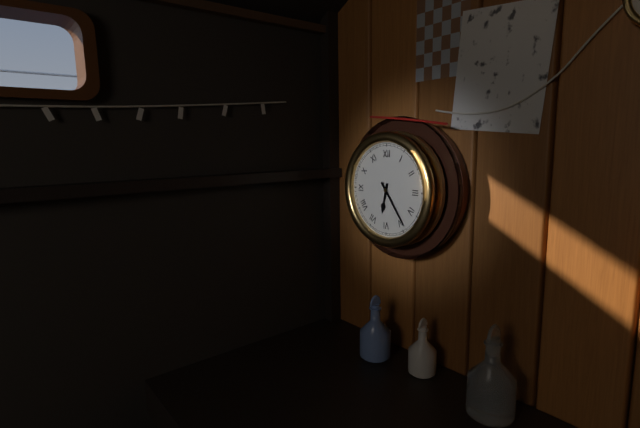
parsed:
**6:24**
